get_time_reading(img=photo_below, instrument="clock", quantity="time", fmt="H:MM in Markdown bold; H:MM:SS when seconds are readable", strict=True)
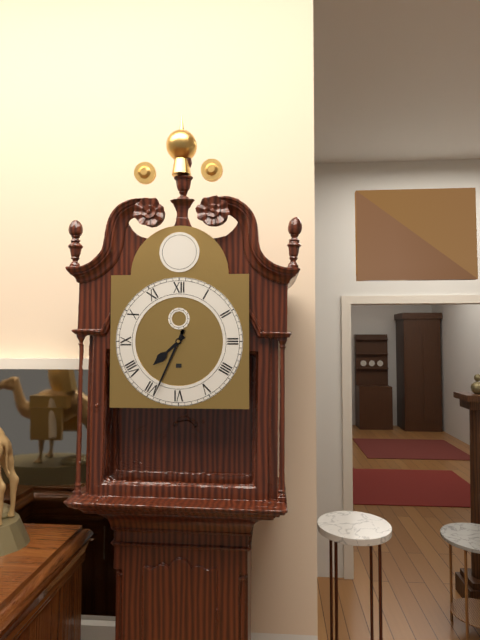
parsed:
**7:34**
